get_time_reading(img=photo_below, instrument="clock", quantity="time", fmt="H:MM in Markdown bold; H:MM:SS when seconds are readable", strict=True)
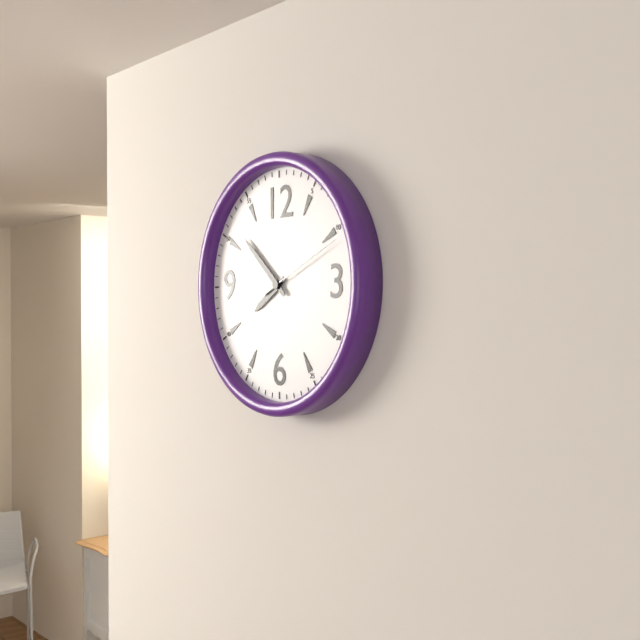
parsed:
**7:52:11**
